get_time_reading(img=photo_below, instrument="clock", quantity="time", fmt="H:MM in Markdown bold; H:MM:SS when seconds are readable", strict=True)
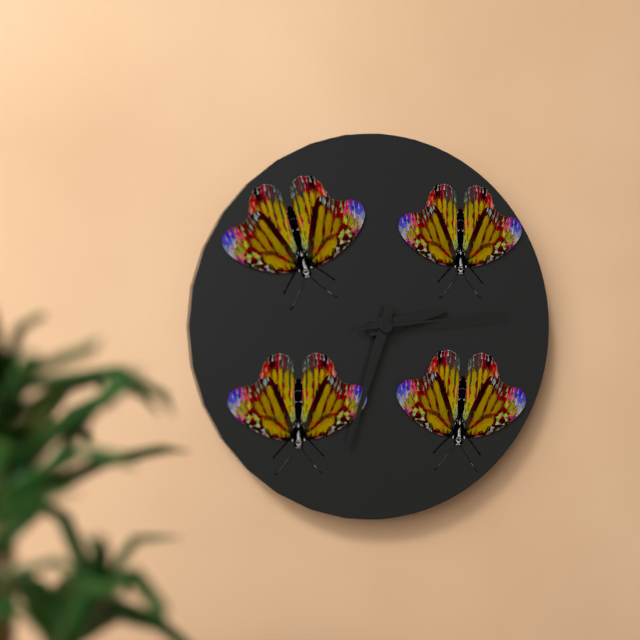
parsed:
**2:33:14**
